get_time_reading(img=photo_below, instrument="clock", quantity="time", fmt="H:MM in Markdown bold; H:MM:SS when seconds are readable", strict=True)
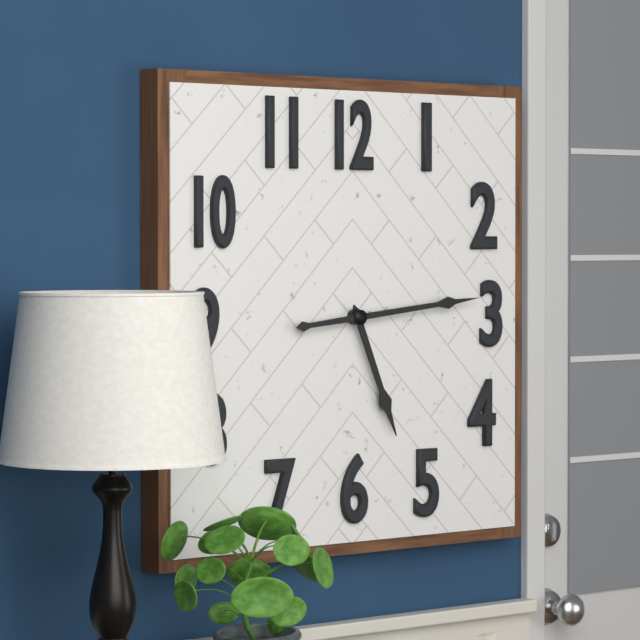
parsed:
**5:14**
